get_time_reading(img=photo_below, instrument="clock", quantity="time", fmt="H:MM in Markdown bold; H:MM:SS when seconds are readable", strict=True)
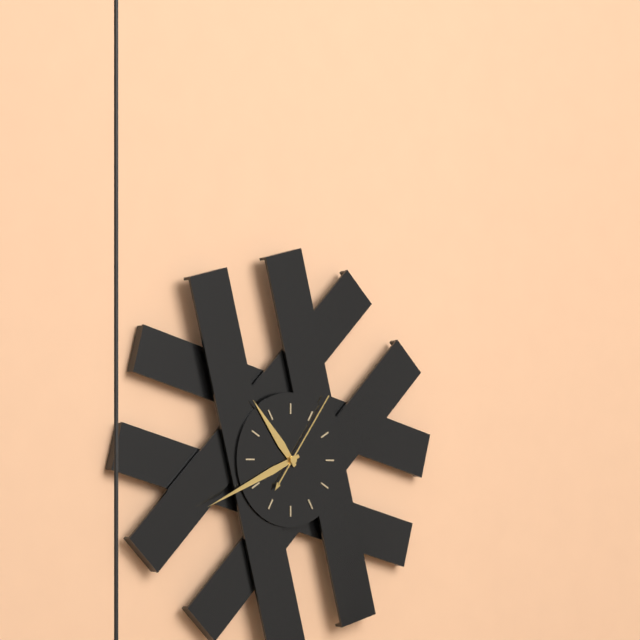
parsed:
**10:41:06**
